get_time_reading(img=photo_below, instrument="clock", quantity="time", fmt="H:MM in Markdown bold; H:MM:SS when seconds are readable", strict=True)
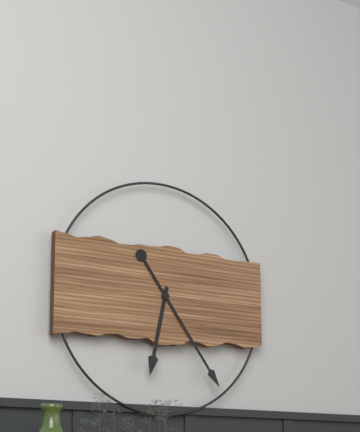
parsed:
**6:24**
